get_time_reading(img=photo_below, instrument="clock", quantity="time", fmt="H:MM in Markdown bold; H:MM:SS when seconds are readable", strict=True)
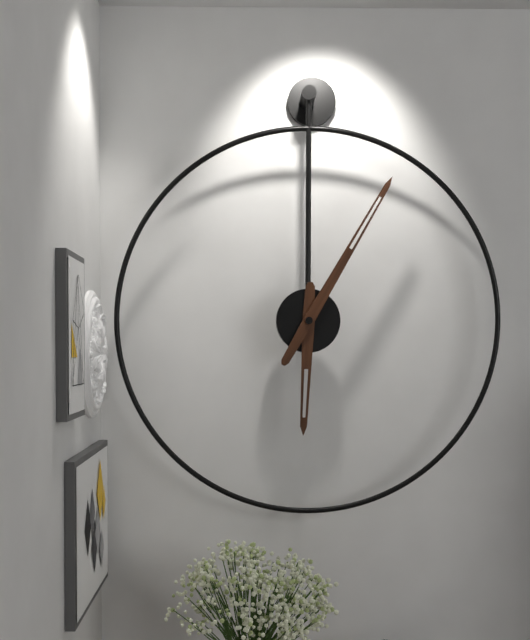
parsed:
**6:05**
